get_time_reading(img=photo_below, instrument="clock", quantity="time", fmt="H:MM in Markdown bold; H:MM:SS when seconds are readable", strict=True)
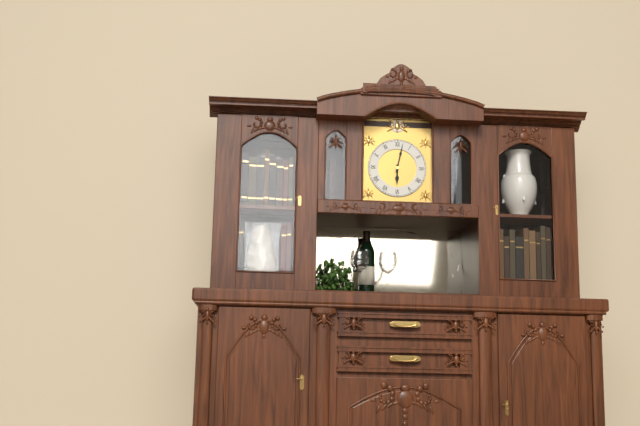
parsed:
**6:02**
